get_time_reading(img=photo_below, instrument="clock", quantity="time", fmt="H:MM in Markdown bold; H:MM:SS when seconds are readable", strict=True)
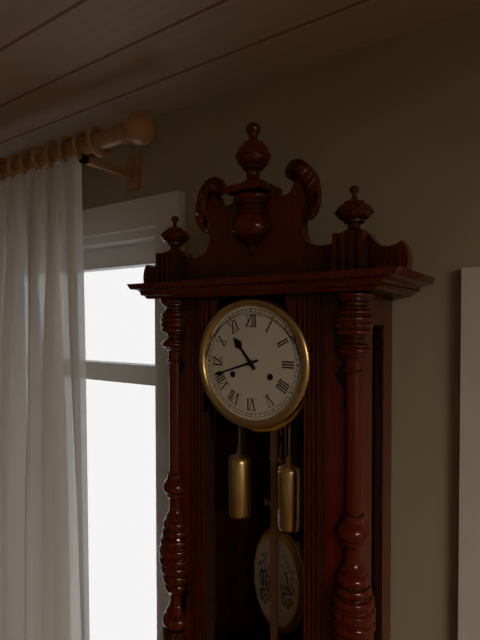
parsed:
**10:42**
